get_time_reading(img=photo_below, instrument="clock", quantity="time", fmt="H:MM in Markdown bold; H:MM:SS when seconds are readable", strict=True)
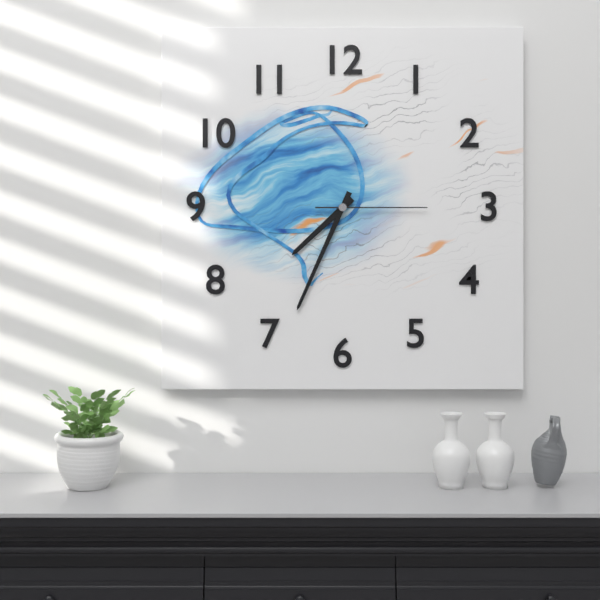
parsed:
**7:34:15**
